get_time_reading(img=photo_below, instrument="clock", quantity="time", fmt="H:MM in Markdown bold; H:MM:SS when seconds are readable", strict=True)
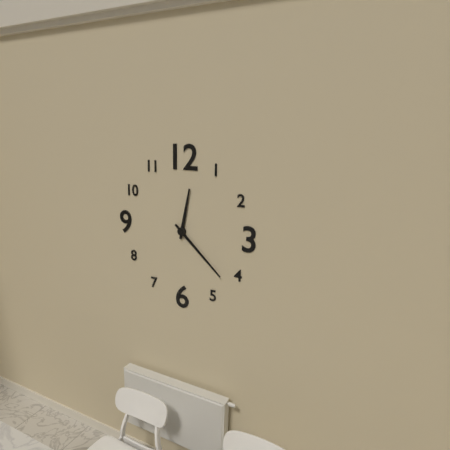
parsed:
**12:22**
